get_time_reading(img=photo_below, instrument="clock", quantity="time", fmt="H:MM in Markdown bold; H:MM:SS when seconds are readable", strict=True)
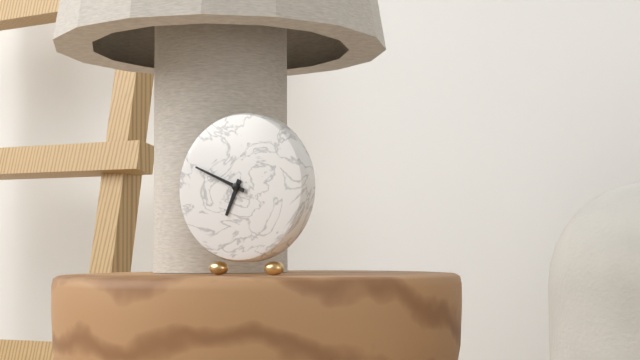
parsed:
**6:49**
